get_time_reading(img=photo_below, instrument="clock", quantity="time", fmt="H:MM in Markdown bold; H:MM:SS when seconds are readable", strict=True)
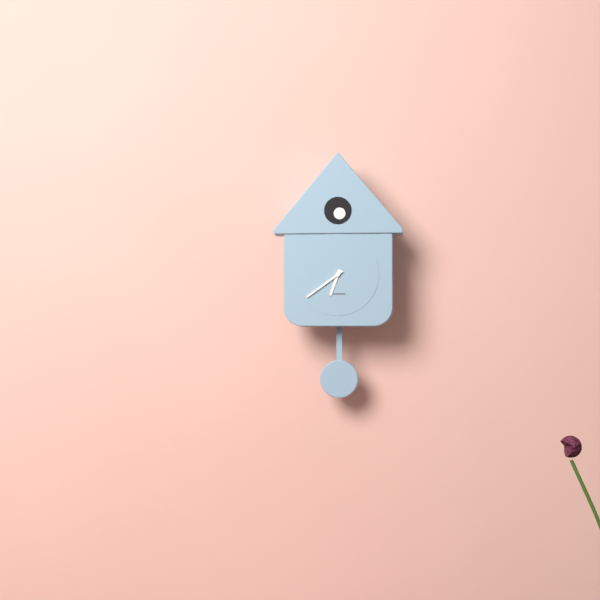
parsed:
**6:39**
